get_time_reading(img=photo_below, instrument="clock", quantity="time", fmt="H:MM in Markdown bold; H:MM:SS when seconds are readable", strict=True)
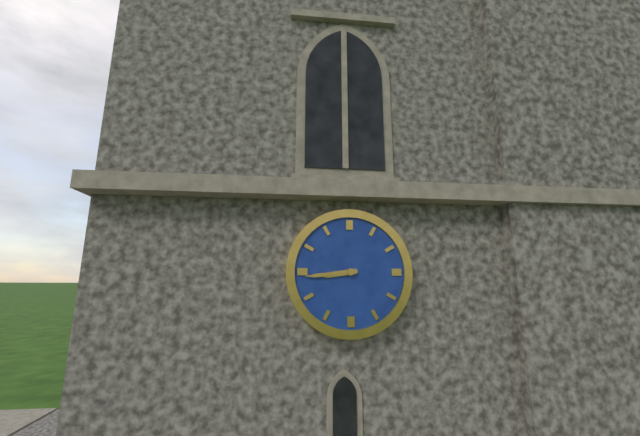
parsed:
**8:44**
